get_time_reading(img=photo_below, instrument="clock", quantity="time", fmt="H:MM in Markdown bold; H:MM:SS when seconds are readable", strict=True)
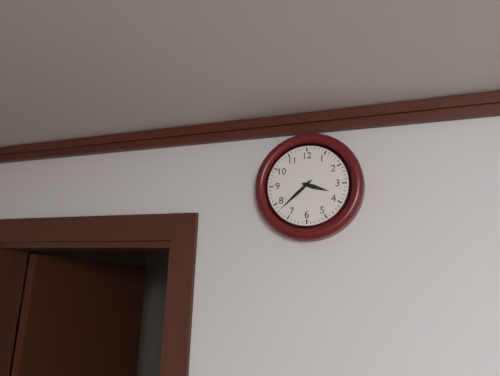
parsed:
**3:38**
